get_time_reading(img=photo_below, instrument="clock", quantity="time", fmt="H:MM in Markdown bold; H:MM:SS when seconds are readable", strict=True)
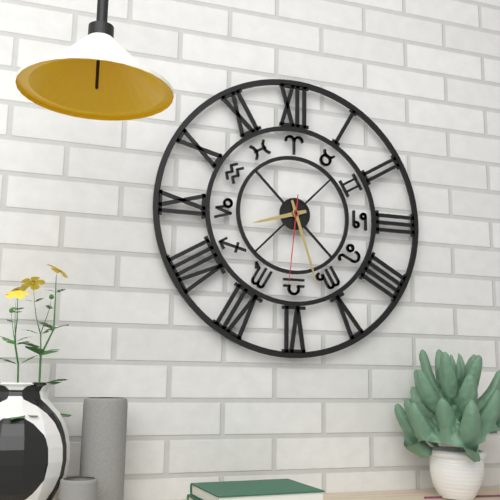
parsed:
**8:27:31**
